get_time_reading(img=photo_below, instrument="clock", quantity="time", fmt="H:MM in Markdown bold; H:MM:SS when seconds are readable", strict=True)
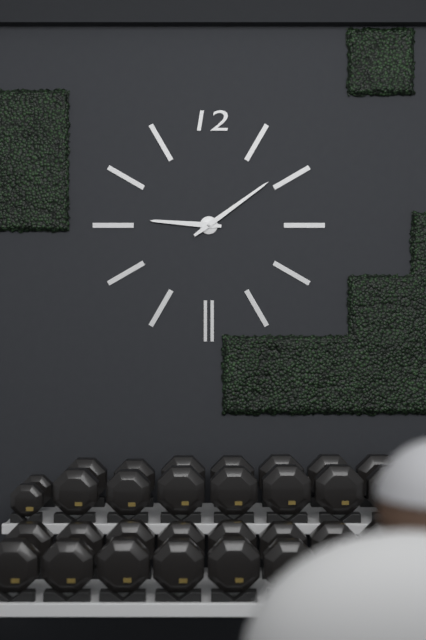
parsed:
**9:09**
